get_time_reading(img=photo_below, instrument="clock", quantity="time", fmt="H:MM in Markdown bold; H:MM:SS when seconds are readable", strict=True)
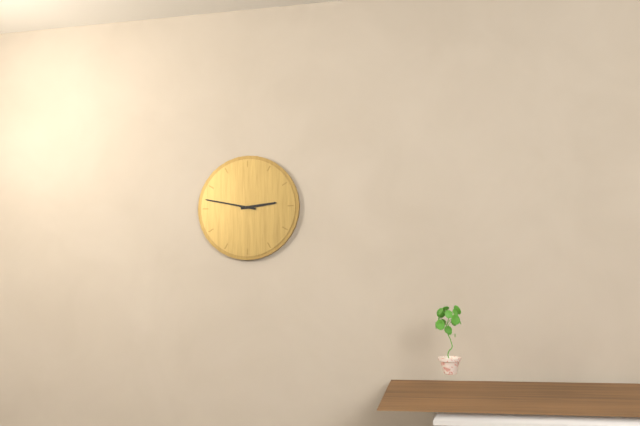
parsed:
**2:47**
